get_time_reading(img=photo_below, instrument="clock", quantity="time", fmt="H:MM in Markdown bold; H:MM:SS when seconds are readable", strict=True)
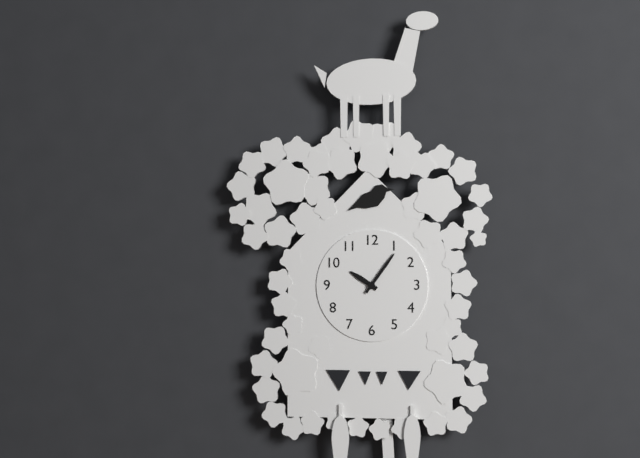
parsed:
**10:06**
